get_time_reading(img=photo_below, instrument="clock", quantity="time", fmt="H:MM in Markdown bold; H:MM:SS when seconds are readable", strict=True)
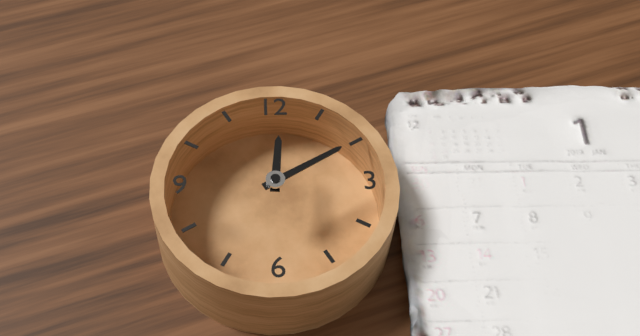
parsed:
**12:10**
